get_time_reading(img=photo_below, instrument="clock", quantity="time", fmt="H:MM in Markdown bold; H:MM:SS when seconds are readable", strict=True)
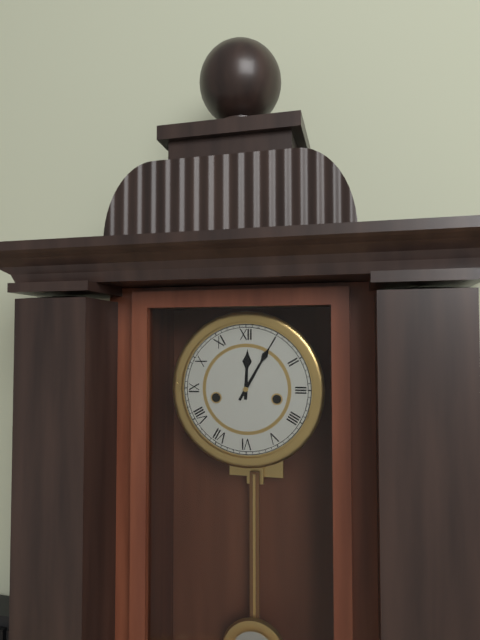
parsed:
**12:05**
